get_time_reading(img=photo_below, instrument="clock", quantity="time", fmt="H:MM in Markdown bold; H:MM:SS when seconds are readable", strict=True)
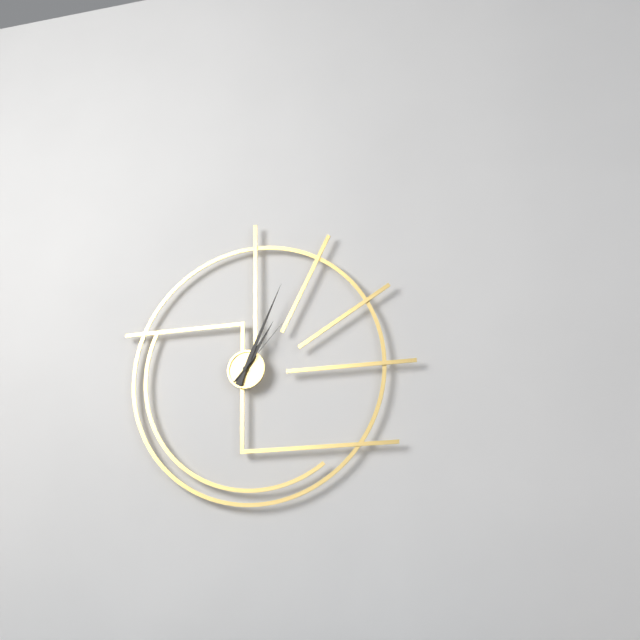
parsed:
**1:04:07**
